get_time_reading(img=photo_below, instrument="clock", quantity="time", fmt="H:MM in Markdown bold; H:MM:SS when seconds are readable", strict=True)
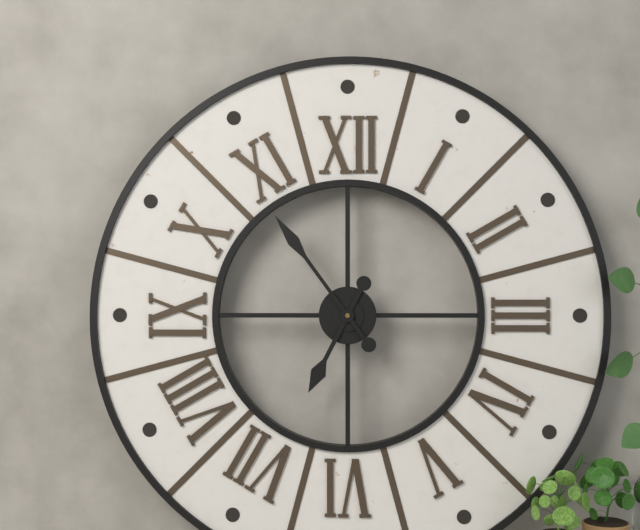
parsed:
**6:54**
